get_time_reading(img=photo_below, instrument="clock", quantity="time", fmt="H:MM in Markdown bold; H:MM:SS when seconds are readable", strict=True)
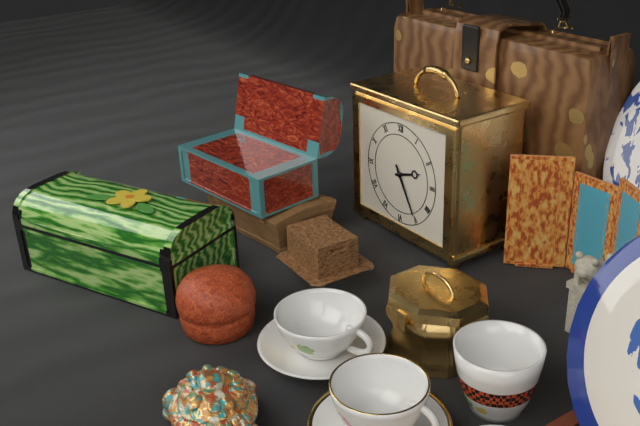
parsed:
**2:25**
